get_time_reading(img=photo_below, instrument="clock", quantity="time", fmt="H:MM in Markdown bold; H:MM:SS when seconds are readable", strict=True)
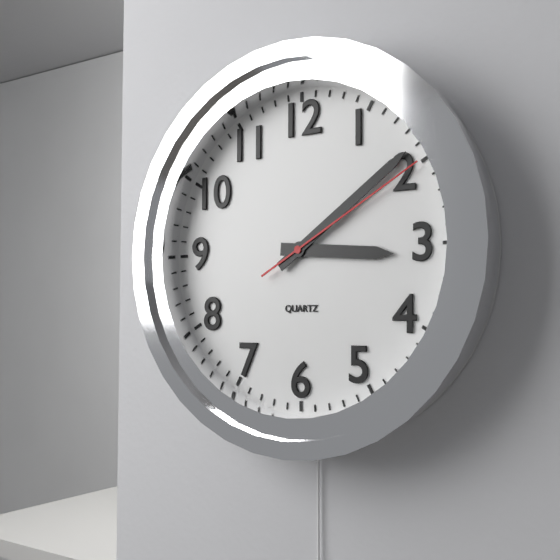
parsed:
**3:09:10**
